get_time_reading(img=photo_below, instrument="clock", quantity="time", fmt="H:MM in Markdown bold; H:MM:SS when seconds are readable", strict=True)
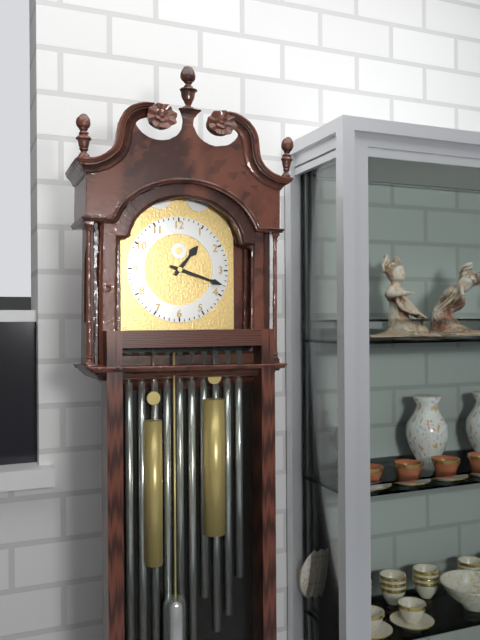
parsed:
**1:18**
